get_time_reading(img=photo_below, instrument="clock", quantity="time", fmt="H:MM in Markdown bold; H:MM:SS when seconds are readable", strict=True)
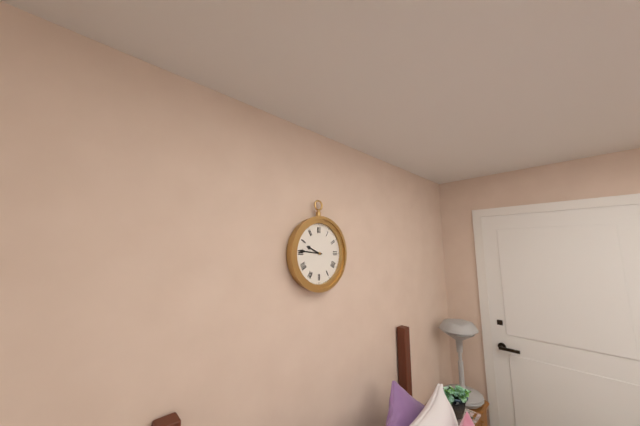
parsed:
**9:46**
